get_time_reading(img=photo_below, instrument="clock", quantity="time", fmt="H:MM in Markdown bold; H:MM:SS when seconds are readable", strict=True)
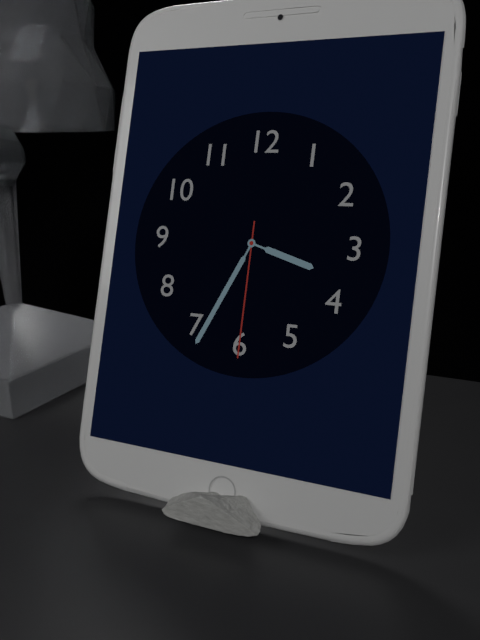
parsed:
**3:34:30**
